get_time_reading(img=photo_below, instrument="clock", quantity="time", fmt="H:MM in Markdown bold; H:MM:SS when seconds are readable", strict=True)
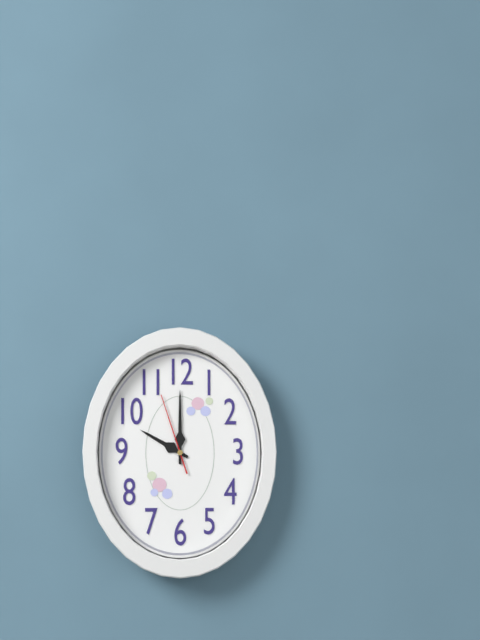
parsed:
**10:00:57**
